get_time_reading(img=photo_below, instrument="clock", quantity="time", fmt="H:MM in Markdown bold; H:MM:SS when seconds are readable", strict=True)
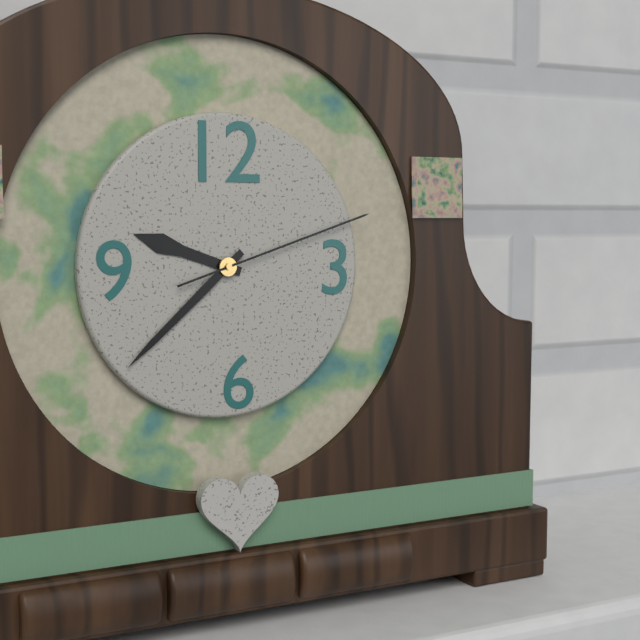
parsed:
**9:38:12**
